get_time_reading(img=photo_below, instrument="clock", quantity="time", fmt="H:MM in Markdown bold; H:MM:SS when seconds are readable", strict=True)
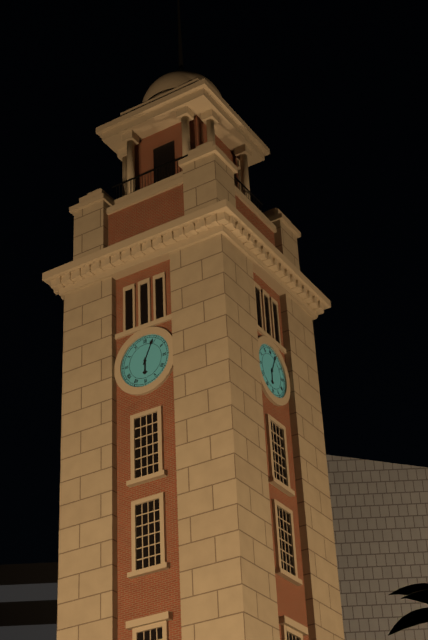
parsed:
**6:04**
